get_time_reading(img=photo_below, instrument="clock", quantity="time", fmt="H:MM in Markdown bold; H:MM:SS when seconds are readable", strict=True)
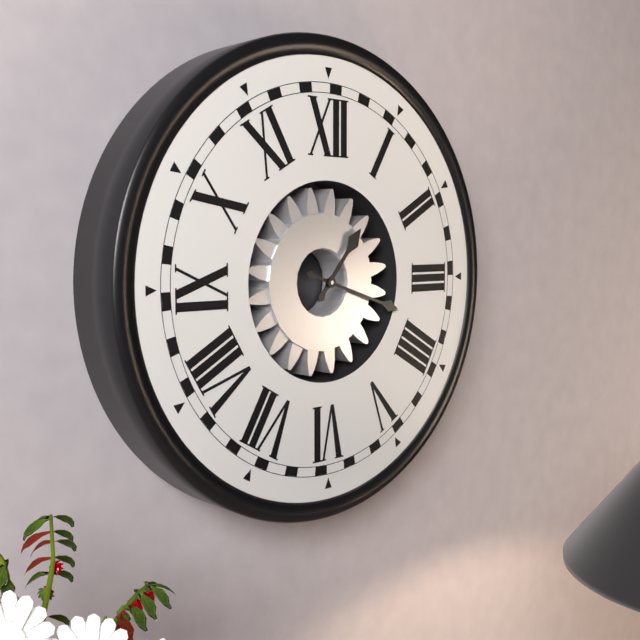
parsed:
**1:18**
